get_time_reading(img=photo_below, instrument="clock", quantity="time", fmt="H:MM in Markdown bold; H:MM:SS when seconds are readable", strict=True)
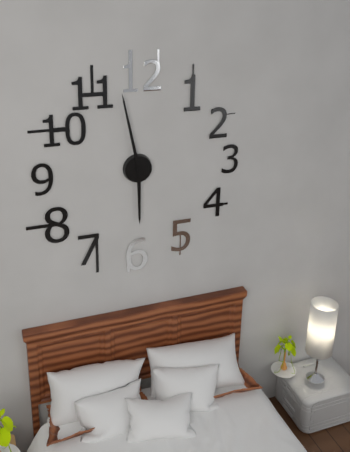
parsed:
**5:58**
